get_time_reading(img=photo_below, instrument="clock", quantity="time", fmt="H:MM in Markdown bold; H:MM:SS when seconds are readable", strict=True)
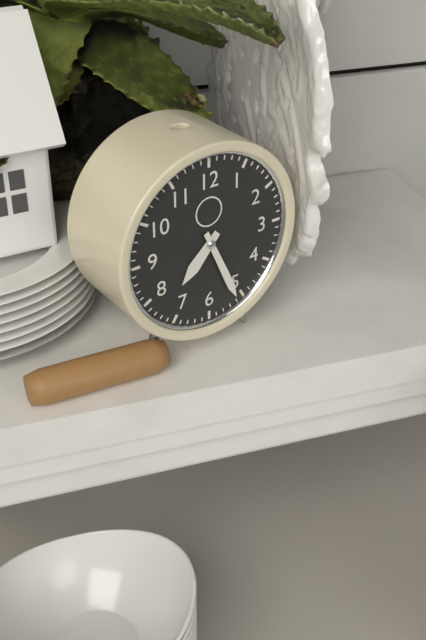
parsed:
**7:26**
